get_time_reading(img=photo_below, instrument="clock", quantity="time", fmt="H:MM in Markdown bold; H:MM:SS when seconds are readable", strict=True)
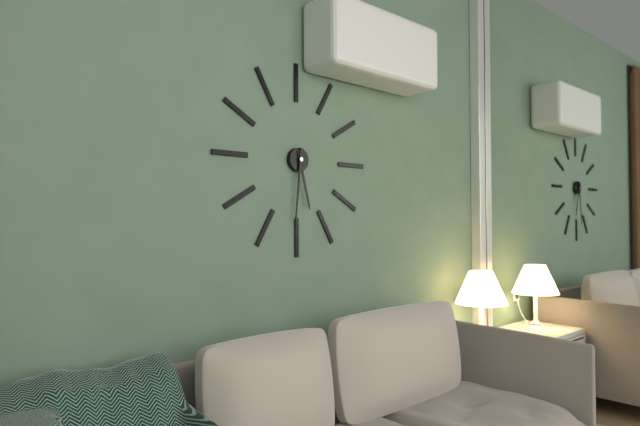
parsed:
**5:31**
